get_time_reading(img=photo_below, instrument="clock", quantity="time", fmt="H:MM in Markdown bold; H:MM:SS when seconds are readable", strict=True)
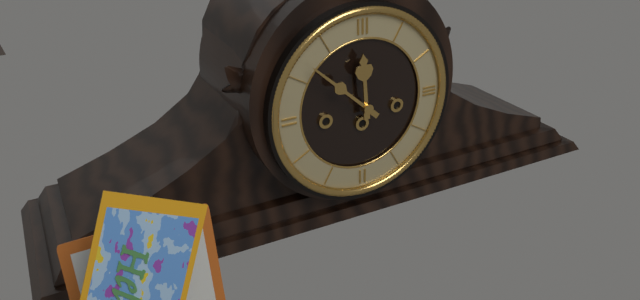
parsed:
**11:52**
